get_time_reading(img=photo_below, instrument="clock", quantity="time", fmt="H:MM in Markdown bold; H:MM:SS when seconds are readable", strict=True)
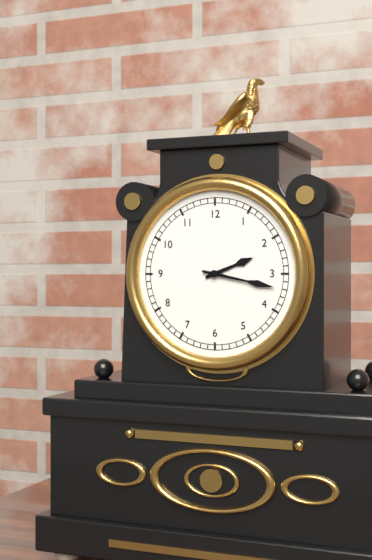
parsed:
**2:17**
